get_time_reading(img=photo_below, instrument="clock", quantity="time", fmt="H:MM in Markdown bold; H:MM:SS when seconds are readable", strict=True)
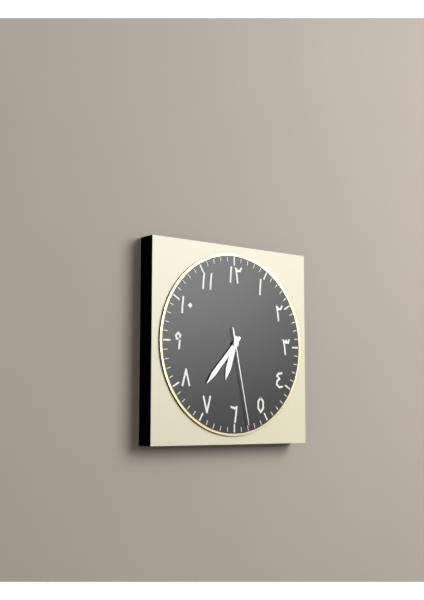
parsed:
**6:37:28**
